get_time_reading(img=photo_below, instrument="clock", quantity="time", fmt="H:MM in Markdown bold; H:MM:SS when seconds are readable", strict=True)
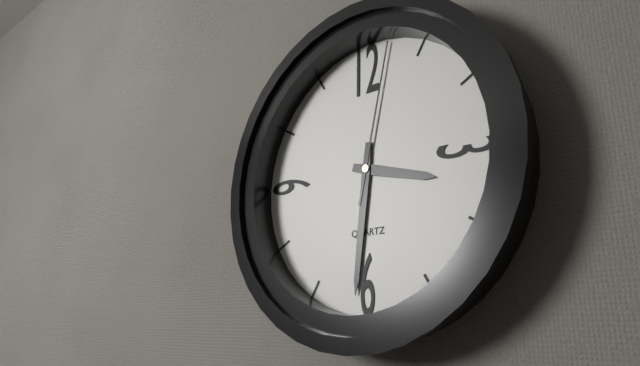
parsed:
**3:31:02**
